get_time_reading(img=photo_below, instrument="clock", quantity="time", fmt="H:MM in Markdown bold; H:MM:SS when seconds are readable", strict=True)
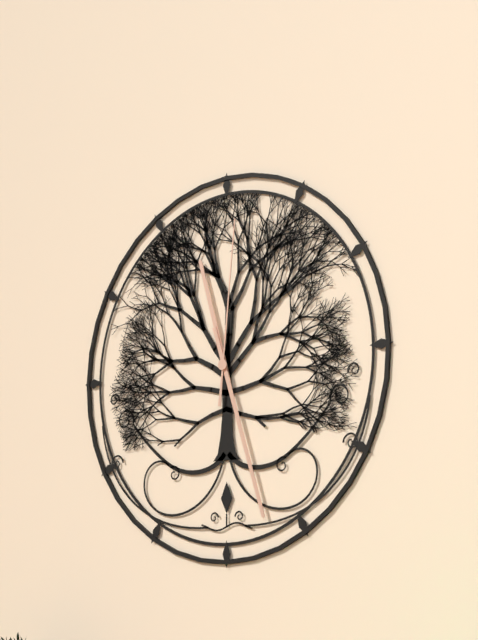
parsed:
**11:27:01**
